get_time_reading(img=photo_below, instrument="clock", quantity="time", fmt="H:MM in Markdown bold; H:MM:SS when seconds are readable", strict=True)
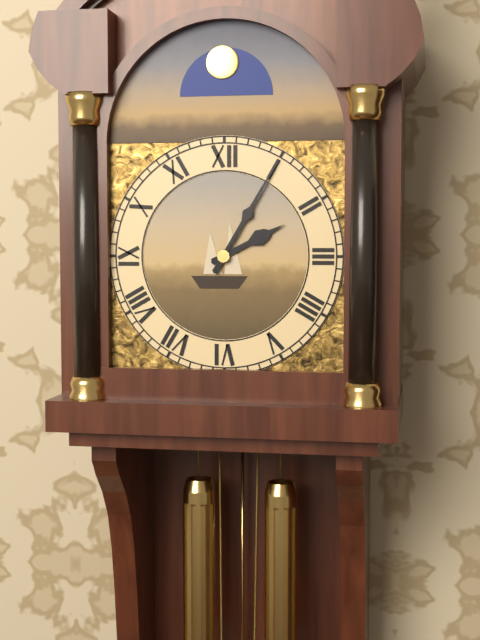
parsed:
**2:05**
